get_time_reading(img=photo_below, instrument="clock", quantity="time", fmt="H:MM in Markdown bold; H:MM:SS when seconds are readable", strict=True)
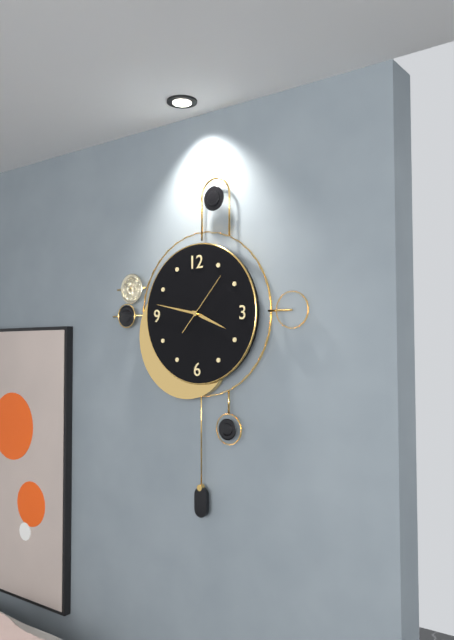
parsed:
**3:47:07**
